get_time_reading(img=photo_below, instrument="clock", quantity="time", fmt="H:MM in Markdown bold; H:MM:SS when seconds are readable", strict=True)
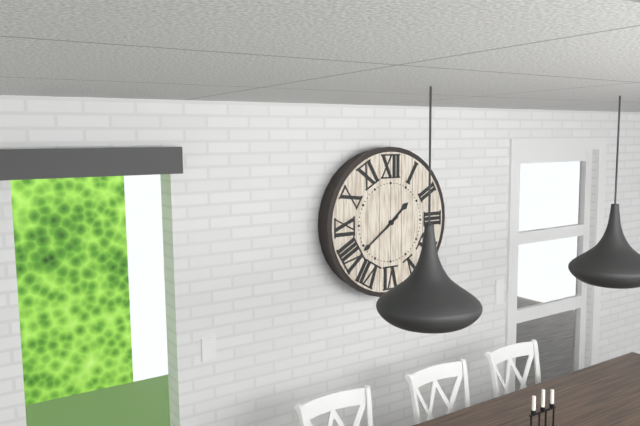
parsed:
**1:39**
